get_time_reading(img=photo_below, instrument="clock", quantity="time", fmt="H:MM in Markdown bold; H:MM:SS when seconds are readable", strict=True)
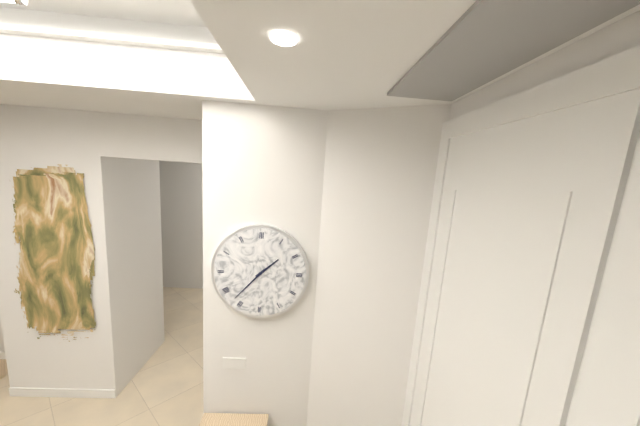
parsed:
**1:37**
